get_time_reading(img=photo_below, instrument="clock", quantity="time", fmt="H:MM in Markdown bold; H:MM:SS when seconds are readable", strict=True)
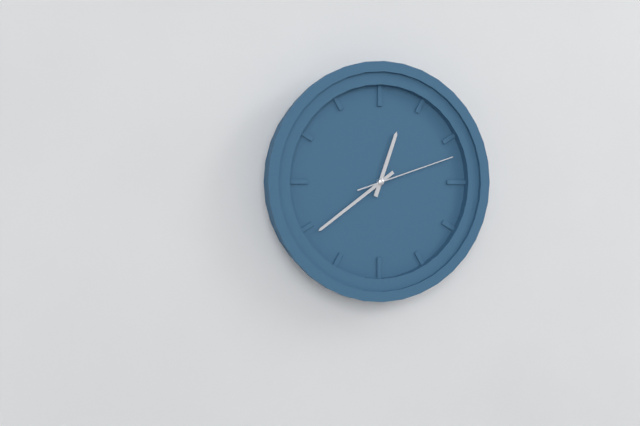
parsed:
**12:39:12**
